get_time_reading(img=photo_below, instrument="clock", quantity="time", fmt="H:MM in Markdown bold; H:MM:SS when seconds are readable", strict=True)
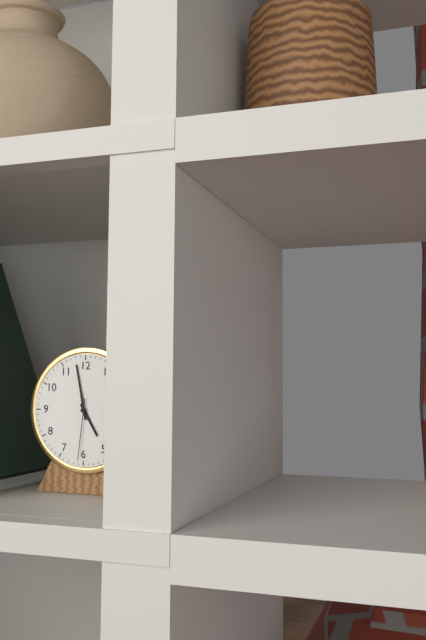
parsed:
**4:58:31**
